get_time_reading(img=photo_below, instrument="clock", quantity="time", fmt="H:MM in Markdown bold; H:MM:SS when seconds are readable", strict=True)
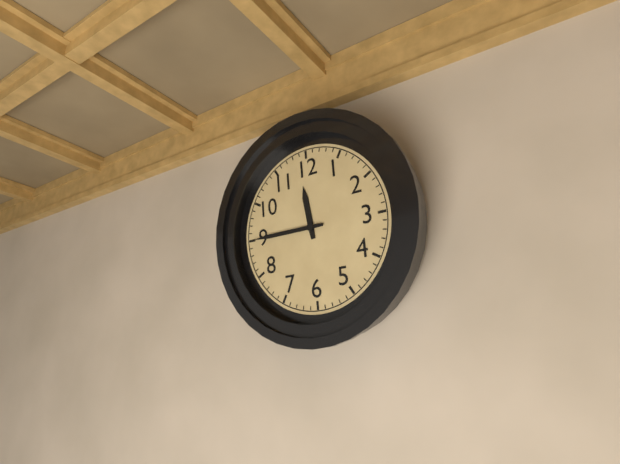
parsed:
**11:45**
